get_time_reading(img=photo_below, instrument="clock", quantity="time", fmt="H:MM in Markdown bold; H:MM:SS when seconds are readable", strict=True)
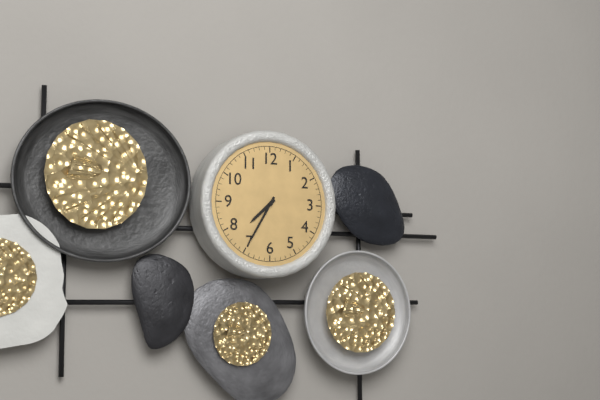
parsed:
**7:35**
